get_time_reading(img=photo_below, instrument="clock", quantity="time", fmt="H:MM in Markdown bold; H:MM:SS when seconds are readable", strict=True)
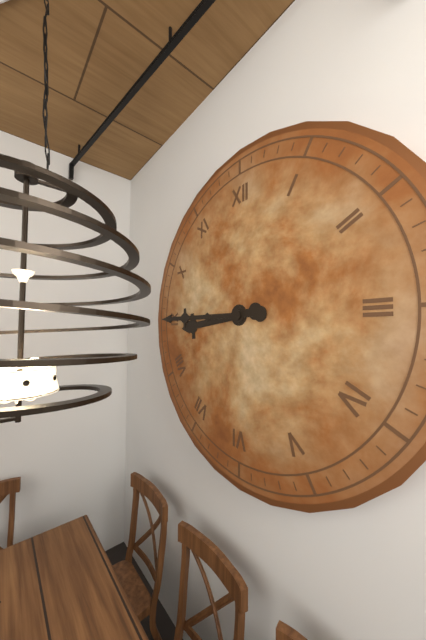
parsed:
**8:45**
